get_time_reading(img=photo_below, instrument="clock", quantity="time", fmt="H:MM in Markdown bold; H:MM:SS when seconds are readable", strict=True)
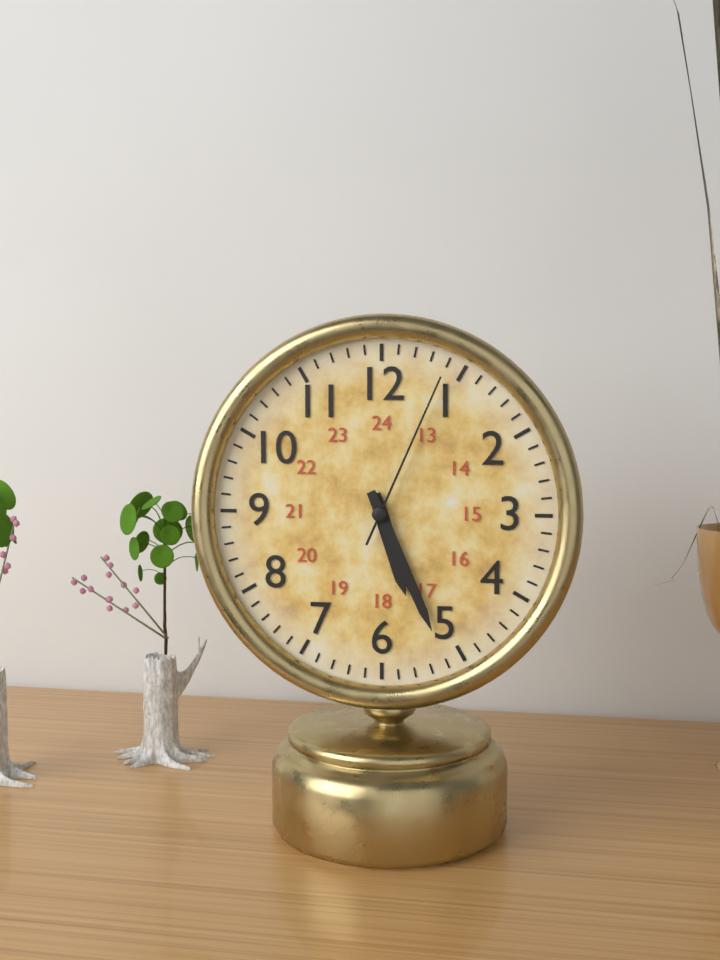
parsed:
**5:26:04**
